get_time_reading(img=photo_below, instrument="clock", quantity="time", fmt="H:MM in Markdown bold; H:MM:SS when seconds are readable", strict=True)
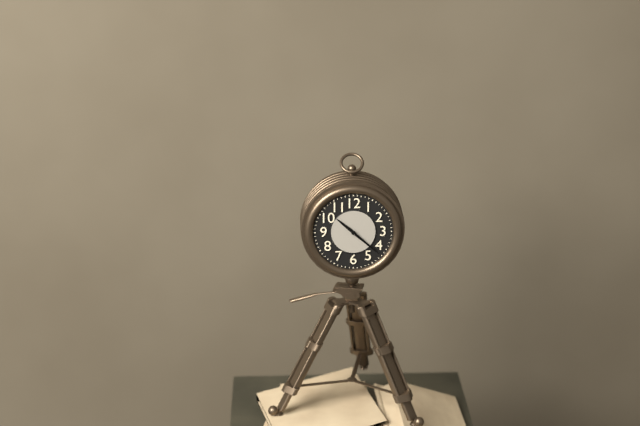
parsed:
**10:22**
